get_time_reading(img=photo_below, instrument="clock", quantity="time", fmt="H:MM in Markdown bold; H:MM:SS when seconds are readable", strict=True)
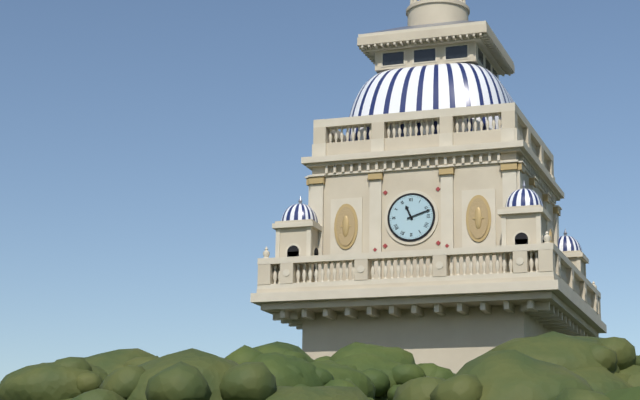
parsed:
**11:12**
